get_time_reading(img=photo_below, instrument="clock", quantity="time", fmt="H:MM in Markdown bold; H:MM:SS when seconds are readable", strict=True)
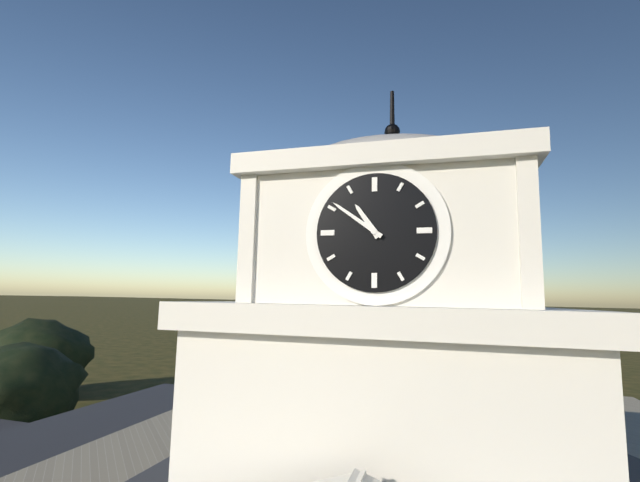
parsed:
**10:51**
